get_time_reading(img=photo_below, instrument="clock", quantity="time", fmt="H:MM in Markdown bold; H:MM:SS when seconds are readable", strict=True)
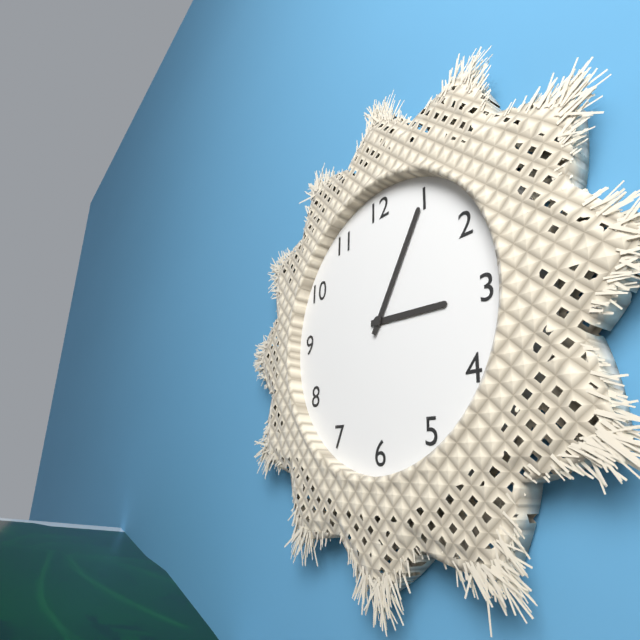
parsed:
**3:05**
